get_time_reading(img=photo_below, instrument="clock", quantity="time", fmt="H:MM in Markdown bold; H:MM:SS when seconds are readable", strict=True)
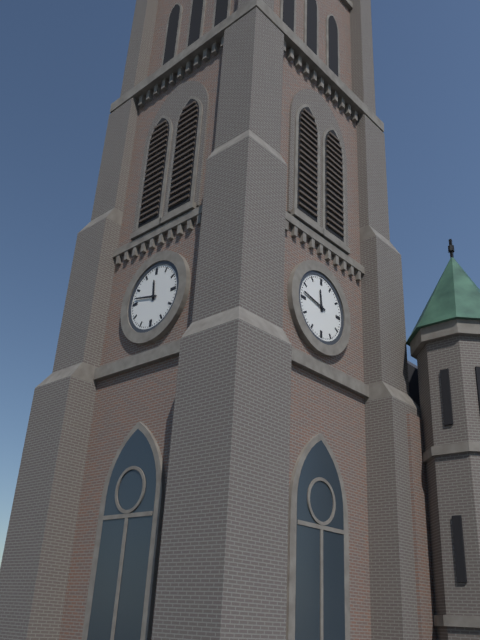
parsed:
**11:47**
